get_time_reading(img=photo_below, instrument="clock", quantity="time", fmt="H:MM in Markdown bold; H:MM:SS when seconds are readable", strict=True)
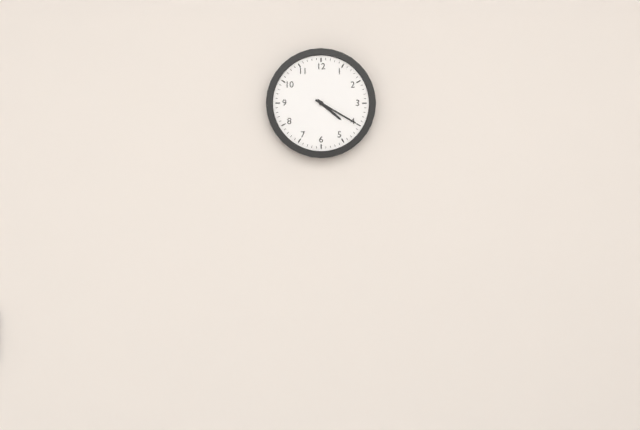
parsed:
**4:20**
